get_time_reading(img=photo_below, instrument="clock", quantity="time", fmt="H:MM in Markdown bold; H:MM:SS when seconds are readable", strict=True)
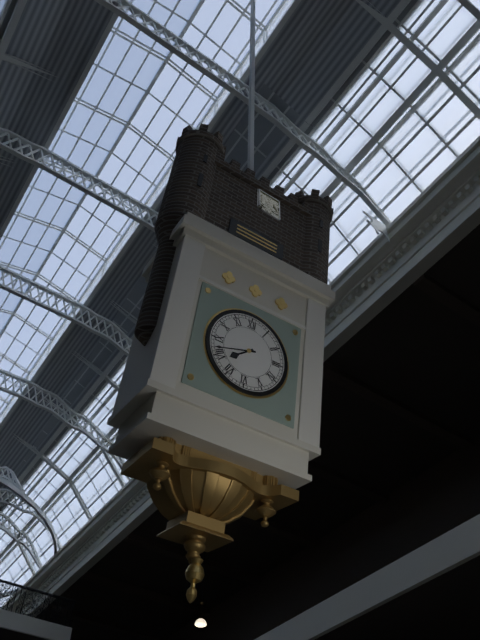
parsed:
**7:42**
